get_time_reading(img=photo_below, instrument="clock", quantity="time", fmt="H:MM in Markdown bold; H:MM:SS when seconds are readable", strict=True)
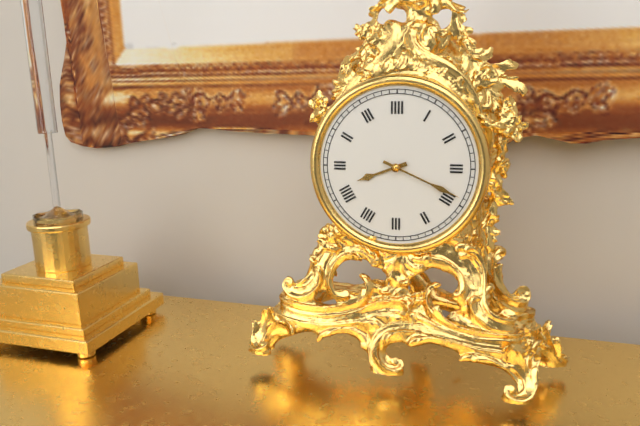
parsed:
**8:19**
